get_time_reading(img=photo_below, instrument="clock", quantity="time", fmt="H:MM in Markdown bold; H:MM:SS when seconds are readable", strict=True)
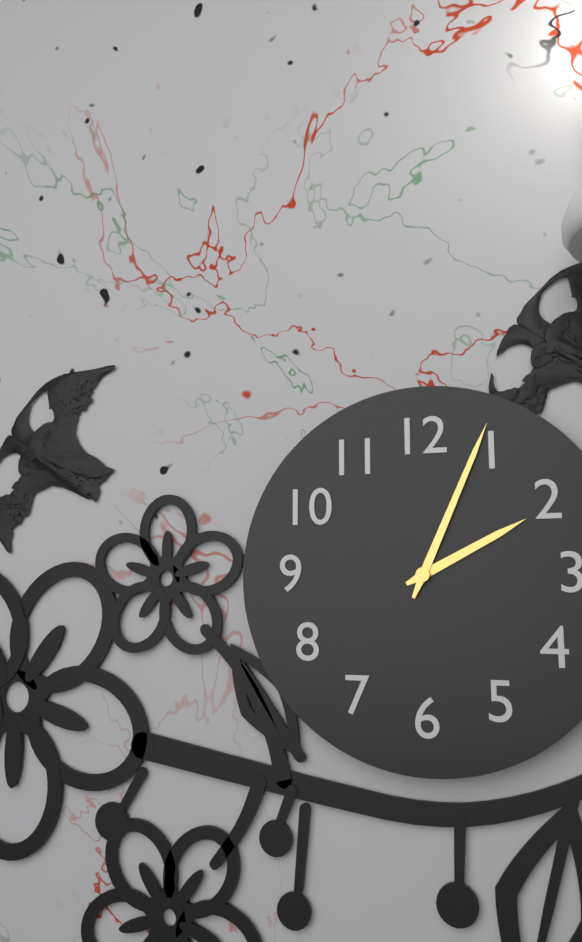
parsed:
**2:04**
